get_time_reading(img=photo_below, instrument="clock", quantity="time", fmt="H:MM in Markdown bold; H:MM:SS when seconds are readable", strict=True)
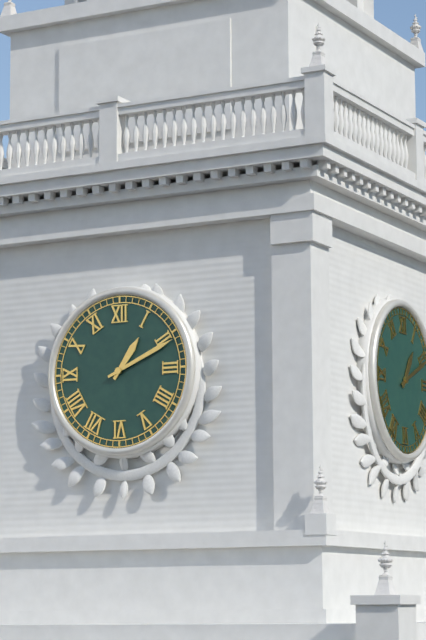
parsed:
**1:11**
